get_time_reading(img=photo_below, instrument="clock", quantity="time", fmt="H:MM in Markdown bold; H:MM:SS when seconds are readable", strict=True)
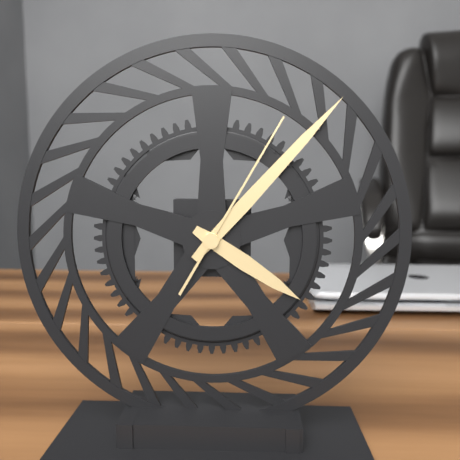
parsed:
**4:07:05**
